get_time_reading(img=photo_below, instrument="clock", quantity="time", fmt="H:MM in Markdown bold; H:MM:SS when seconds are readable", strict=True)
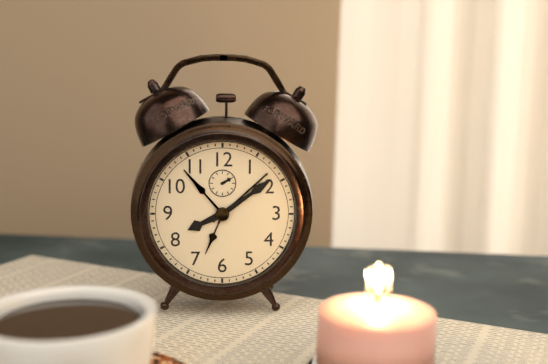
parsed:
**8:09**
